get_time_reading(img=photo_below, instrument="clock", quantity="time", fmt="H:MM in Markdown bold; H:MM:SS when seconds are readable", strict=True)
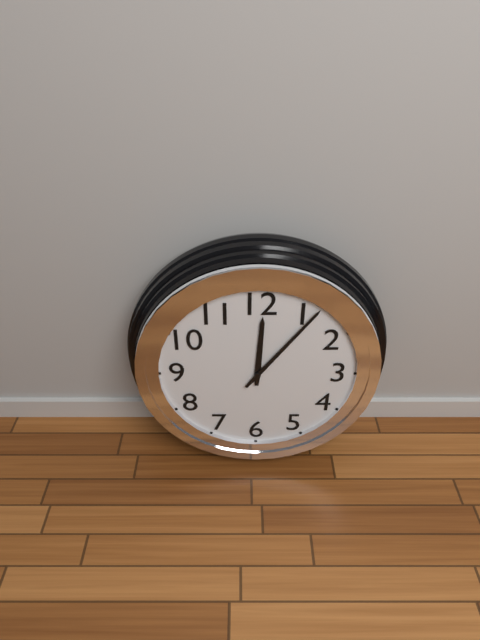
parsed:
**12:06**
